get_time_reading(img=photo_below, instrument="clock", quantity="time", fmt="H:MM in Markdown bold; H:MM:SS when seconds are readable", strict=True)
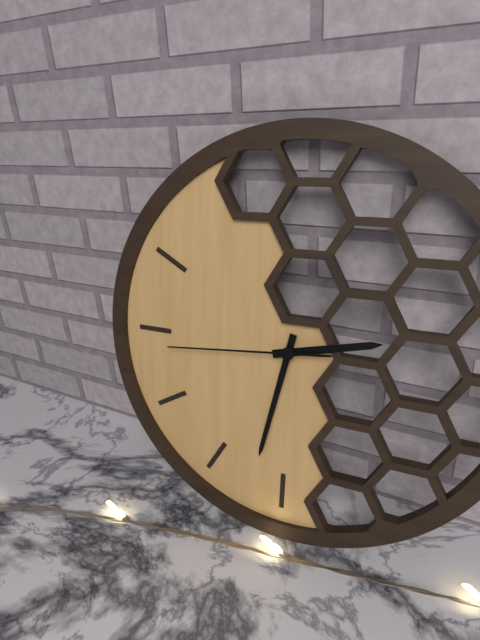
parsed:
**2:32:44**
